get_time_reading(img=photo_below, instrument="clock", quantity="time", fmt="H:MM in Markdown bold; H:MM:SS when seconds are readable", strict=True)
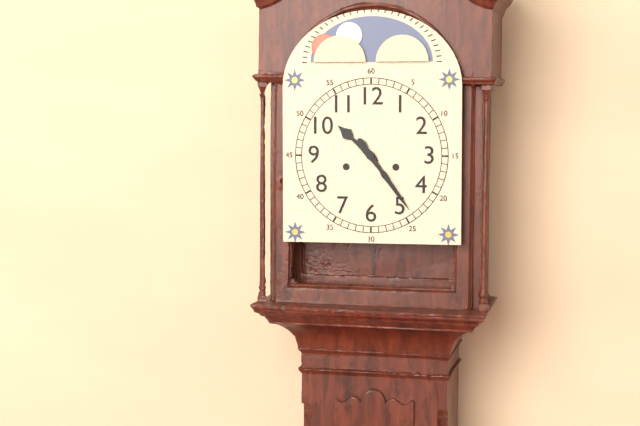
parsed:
**10:24**
